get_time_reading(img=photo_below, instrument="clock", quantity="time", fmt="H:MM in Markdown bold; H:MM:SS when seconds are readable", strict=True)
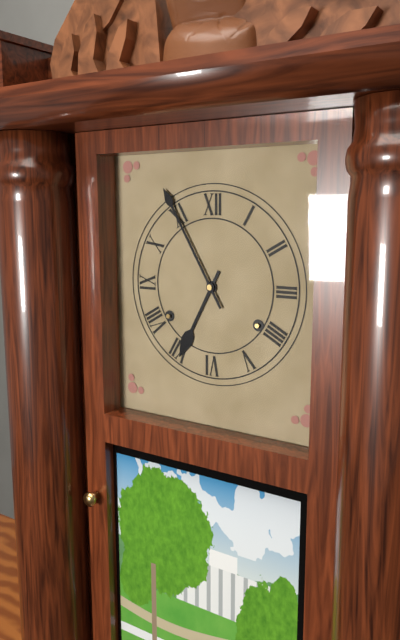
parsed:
**6:55**
